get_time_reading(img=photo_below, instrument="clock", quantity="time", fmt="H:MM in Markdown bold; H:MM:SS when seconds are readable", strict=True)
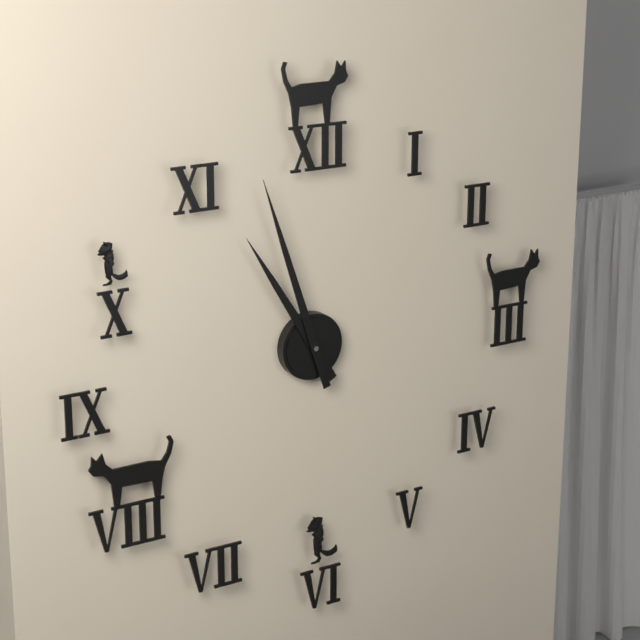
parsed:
**10:57**
